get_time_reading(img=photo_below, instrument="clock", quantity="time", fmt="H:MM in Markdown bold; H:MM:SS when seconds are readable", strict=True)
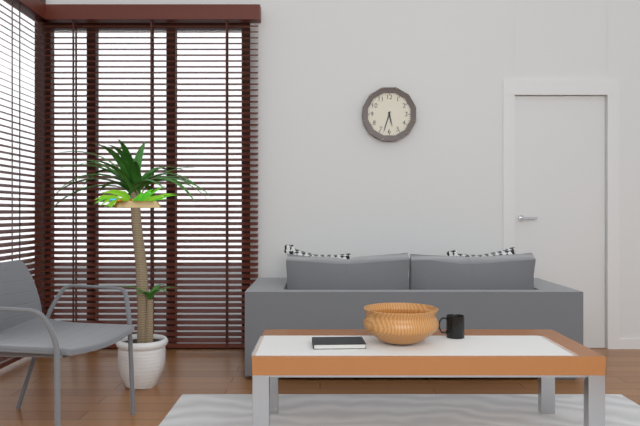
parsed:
**5:33**
